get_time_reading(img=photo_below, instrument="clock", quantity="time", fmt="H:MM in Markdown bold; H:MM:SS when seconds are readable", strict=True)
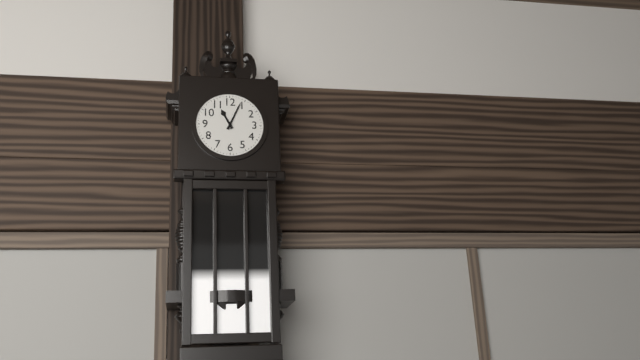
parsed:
**11:04**
